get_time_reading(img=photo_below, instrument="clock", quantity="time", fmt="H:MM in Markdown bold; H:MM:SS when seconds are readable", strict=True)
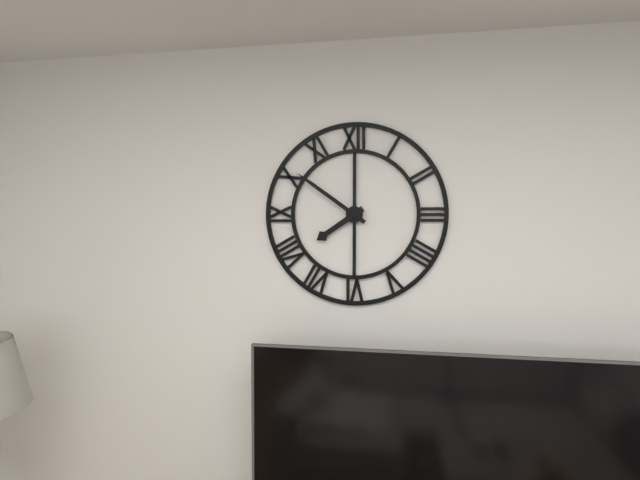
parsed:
**7:51**
